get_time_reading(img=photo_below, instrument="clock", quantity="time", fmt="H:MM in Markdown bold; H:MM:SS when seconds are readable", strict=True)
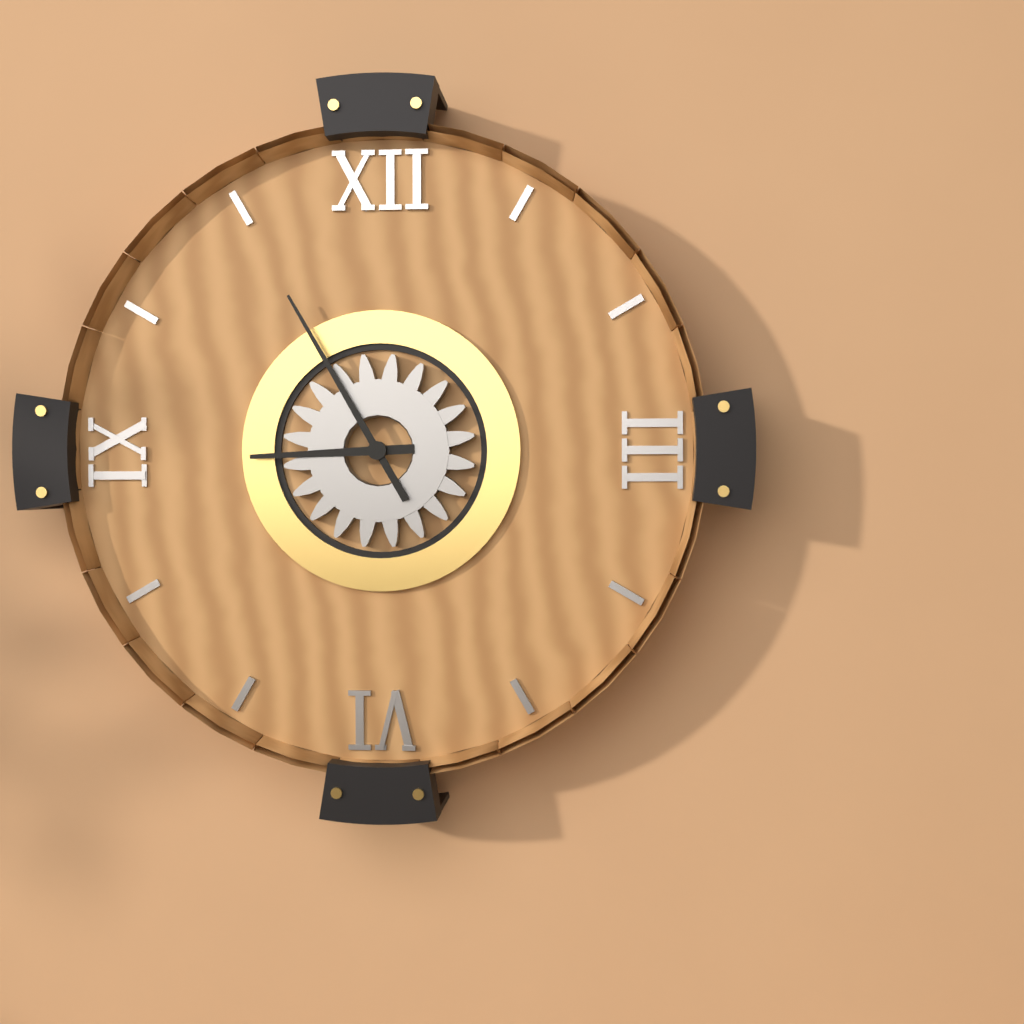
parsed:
**8:55**
